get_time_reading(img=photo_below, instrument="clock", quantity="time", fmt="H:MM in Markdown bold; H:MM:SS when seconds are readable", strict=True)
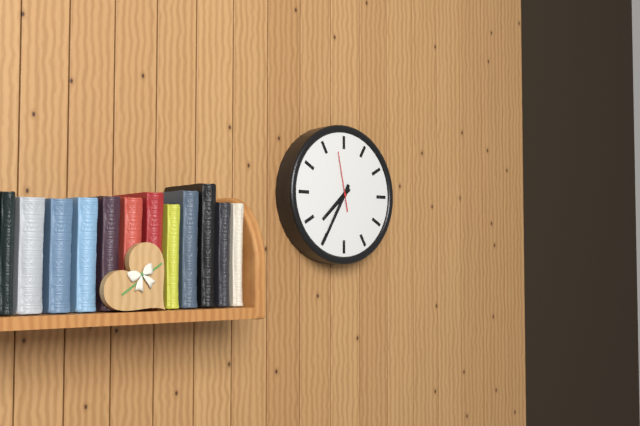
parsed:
**7:35:58**
